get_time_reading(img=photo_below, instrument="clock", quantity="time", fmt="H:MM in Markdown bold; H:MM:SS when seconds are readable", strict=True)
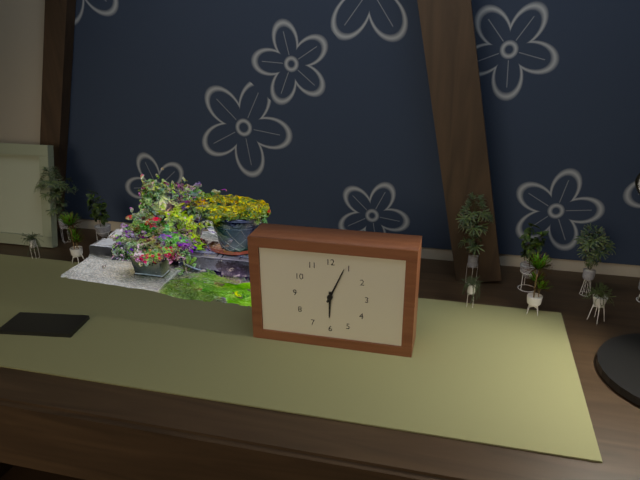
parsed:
**6:04**
